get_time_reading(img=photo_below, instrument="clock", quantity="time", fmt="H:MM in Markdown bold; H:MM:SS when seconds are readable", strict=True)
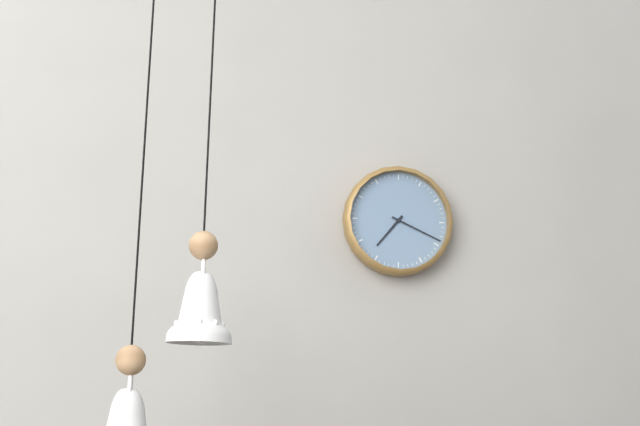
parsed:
**7:19**
